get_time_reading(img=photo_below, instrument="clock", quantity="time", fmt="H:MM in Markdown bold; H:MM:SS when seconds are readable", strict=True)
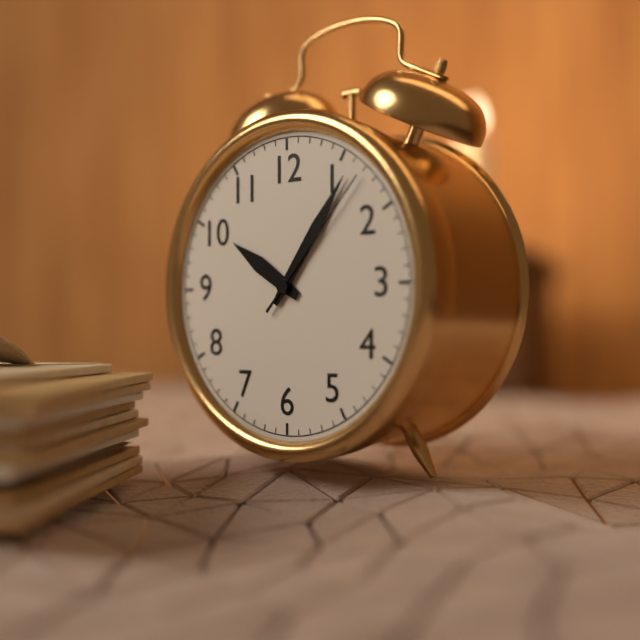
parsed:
**10:06:07**
